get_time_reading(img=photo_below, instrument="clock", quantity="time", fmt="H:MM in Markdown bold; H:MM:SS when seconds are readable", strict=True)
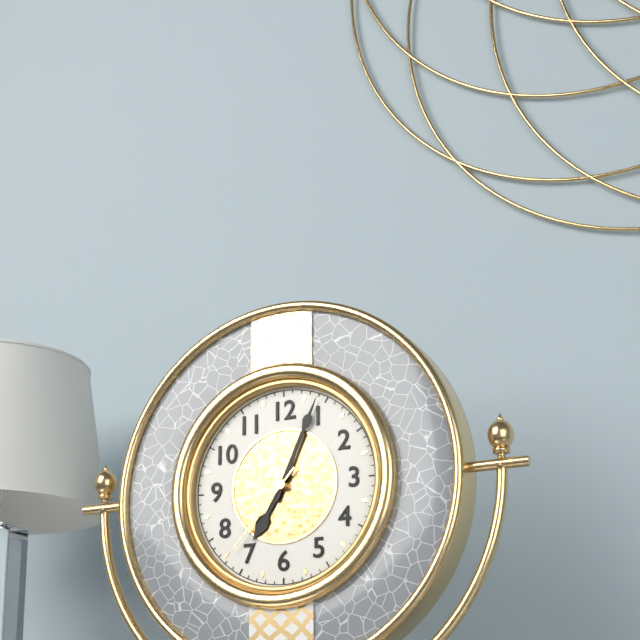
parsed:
**7:04:37**
